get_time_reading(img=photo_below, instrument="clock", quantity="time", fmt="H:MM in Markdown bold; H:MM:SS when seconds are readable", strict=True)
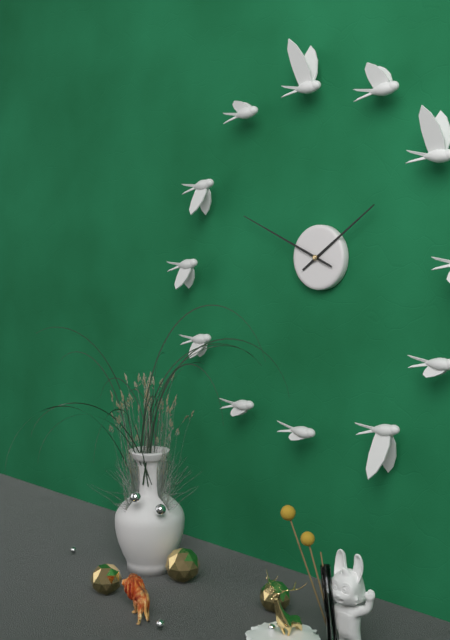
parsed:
**1:49**
